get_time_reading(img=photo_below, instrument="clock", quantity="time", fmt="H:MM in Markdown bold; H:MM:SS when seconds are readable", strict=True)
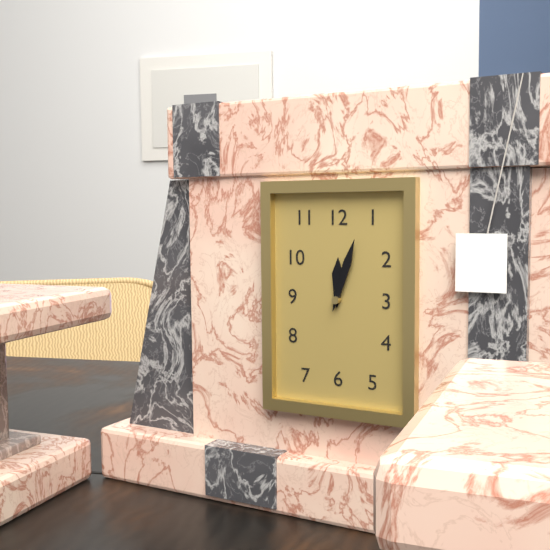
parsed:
**12:03**
